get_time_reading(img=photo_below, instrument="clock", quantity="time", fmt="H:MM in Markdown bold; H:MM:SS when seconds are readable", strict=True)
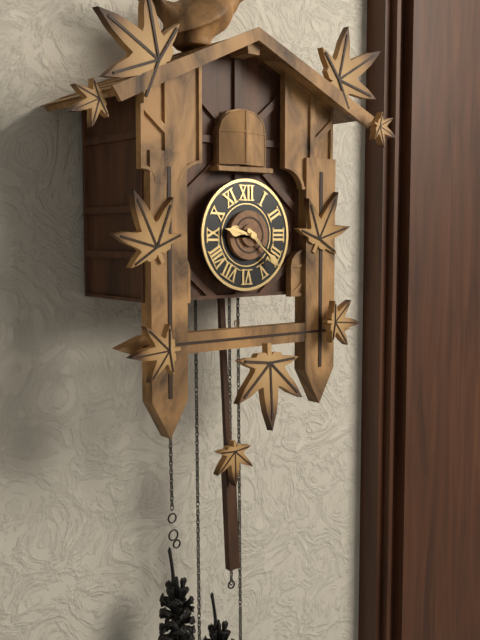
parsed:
**9:22**
